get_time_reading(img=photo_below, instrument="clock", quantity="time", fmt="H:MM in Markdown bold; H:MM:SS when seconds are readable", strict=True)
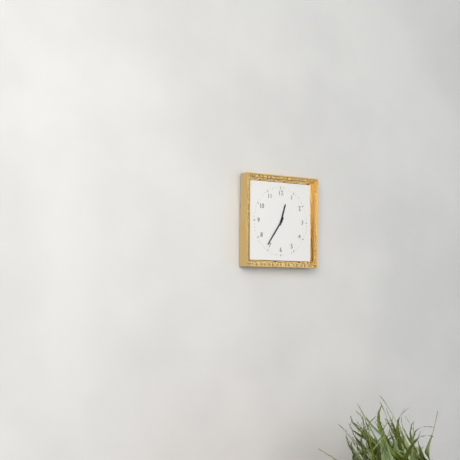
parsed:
**12:36**
